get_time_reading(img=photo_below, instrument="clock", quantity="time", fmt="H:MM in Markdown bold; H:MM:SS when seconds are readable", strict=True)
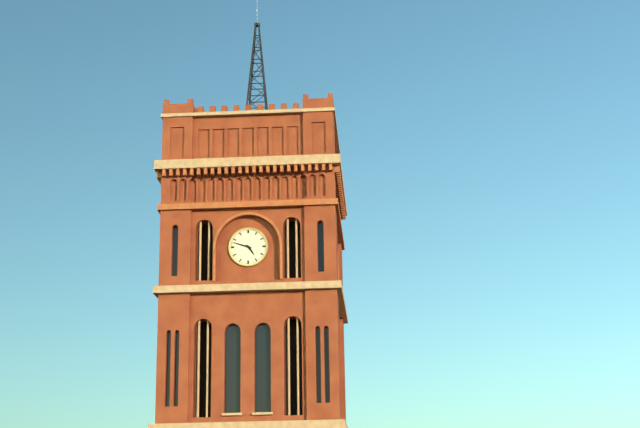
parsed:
**4:48**
